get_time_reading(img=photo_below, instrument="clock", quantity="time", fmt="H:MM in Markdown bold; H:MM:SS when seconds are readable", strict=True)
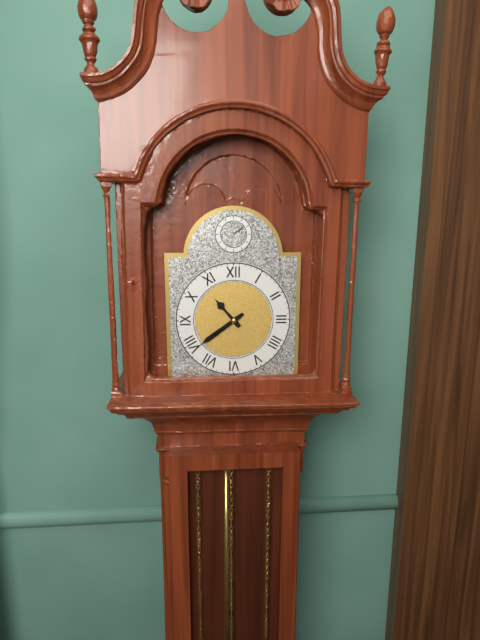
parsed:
**10:39**
